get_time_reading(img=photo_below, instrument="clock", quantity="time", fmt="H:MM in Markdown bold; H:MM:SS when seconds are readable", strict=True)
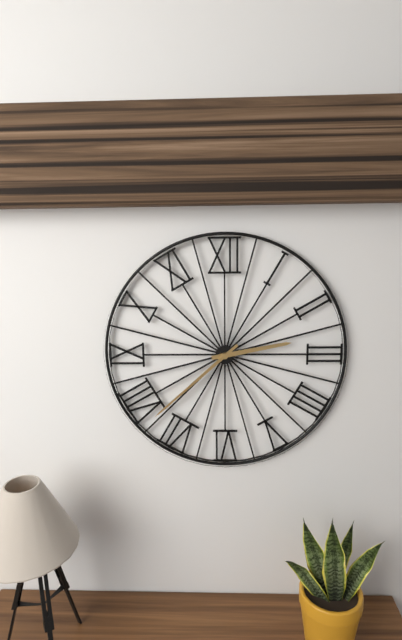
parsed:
**2:38**
